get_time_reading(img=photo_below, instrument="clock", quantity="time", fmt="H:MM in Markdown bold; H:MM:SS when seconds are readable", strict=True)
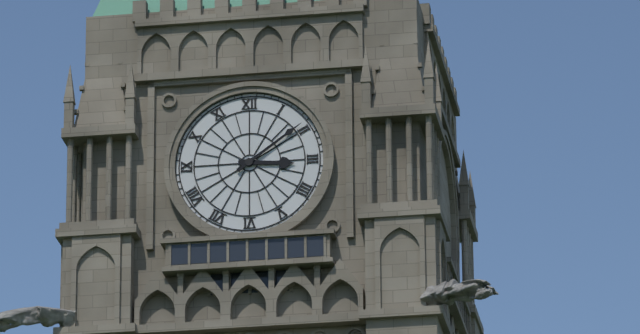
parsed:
**3:09**
